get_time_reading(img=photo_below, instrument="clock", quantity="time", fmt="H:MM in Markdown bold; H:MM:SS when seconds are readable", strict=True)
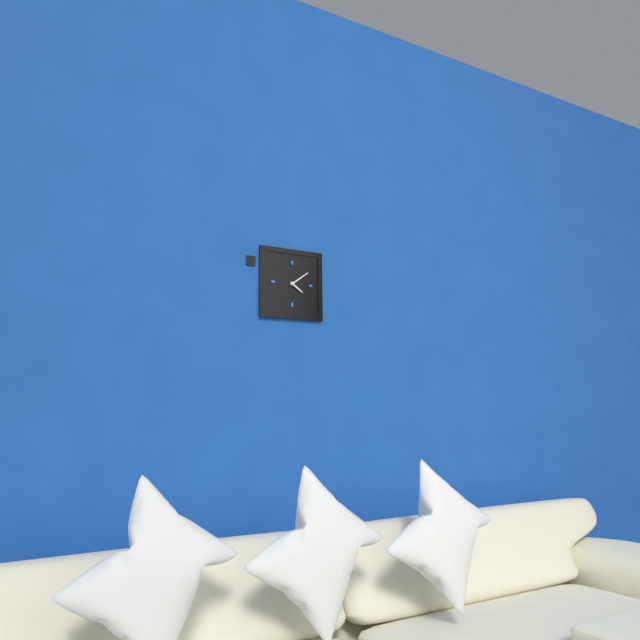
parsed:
**4:09**
